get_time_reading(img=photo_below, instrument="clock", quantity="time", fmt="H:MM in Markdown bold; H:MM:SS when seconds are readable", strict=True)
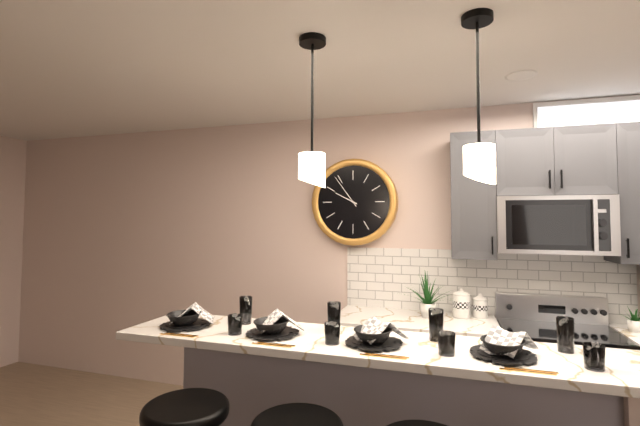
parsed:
**9:54**
